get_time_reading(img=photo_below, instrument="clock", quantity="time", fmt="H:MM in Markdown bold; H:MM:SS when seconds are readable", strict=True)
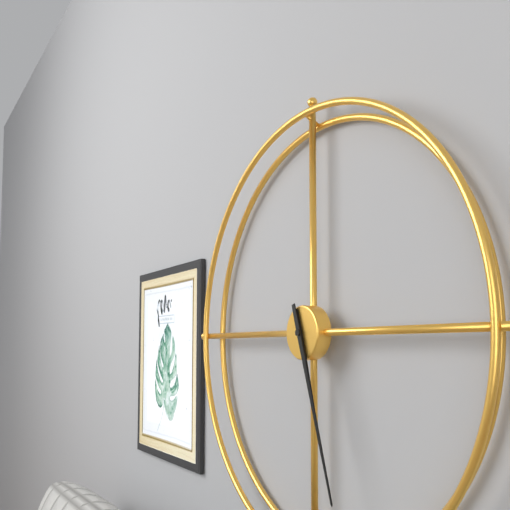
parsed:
**5:27**
